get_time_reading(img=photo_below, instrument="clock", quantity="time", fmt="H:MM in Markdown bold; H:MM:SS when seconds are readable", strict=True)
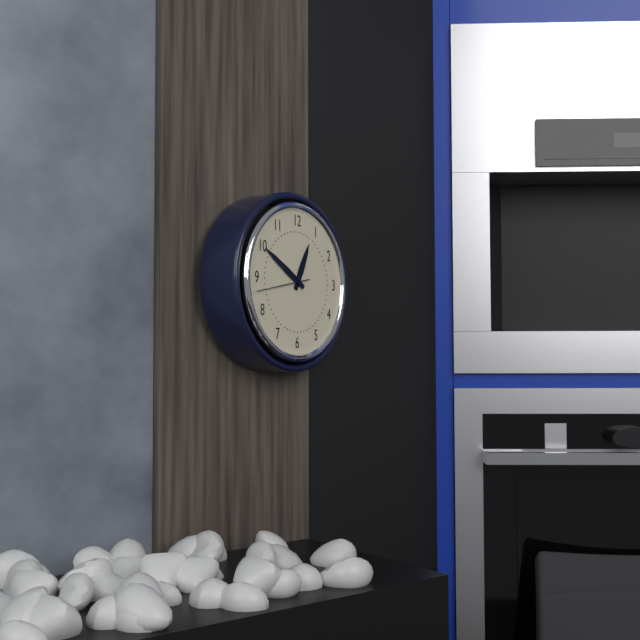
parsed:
**12:50:43**
